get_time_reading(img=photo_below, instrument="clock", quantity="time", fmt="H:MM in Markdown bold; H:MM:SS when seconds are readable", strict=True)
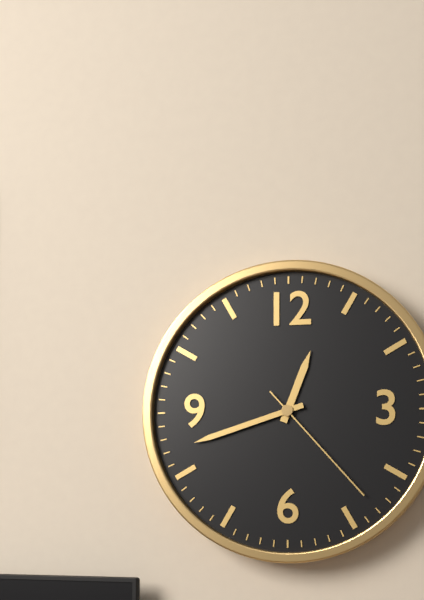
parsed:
**12:42:23**
